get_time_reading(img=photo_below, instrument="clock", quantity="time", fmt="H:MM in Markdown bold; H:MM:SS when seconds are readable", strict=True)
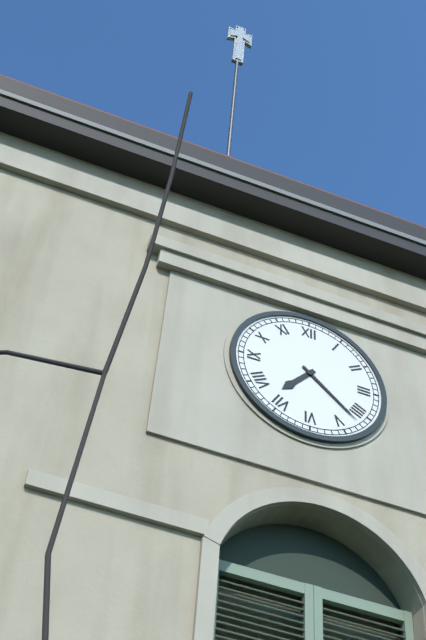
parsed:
**7:22**
